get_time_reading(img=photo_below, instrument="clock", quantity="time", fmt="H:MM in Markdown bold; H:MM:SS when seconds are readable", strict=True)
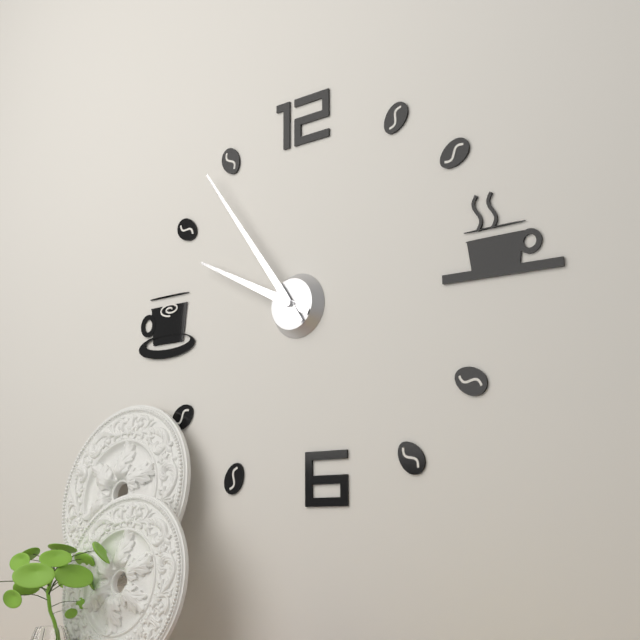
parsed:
**9:54**
